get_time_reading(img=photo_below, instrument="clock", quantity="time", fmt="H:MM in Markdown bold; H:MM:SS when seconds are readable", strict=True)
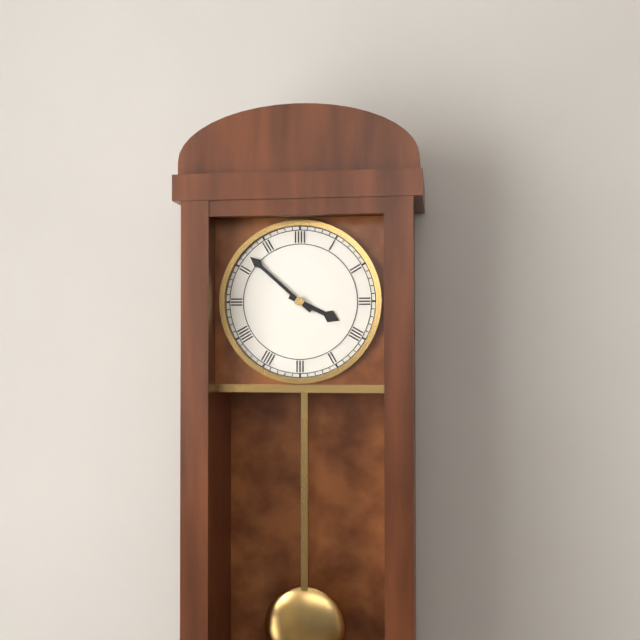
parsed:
**3:52**
